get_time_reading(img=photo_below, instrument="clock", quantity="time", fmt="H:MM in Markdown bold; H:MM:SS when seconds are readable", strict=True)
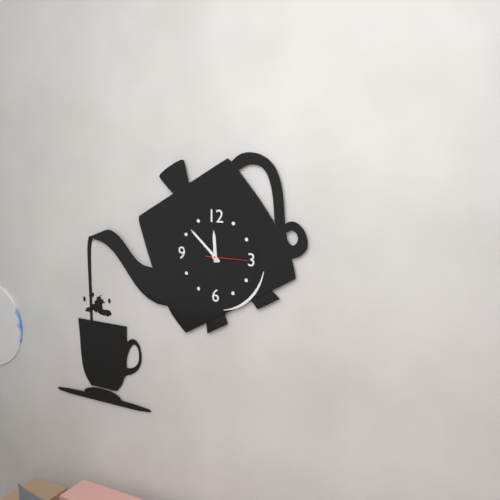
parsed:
**11:52**
